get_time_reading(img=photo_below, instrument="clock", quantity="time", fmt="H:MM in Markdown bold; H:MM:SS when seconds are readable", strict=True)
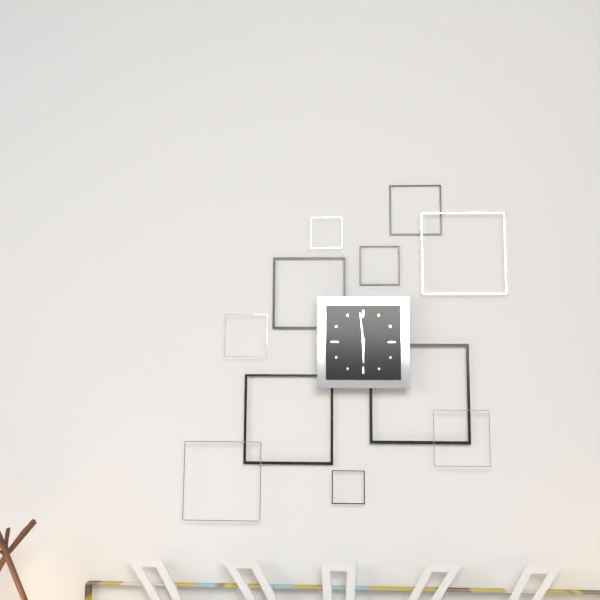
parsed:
**5:59**
